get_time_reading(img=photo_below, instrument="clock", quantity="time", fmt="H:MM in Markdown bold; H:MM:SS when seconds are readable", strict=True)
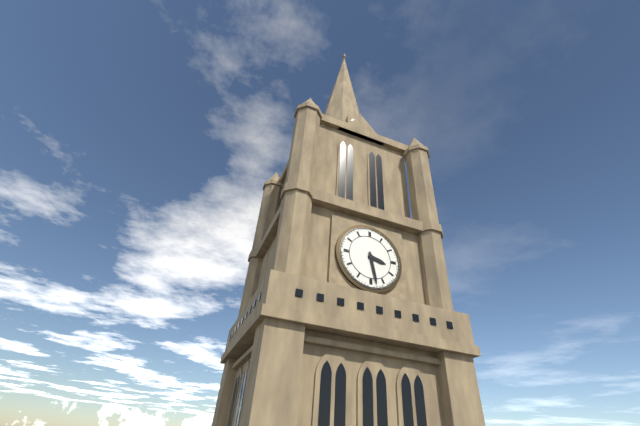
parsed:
**3:28**
